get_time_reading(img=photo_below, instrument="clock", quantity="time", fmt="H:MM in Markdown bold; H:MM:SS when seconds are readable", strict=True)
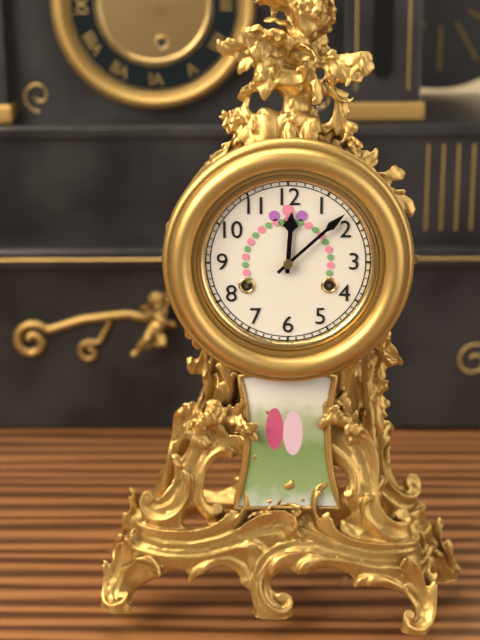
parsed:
**12:08**
